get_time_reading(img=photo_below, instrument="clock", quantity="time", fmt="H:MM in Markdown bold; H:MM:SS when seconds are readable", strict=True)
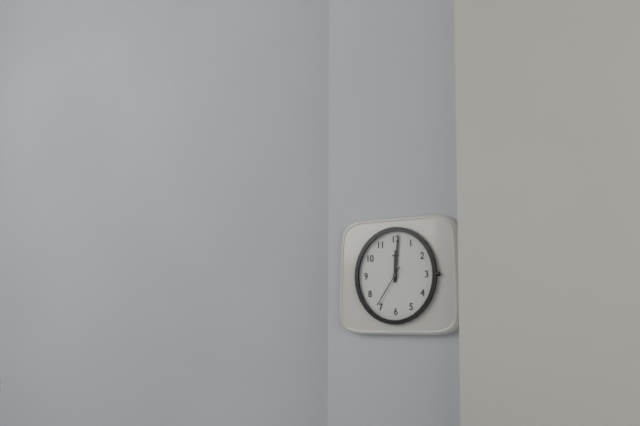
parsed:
**12:01**
